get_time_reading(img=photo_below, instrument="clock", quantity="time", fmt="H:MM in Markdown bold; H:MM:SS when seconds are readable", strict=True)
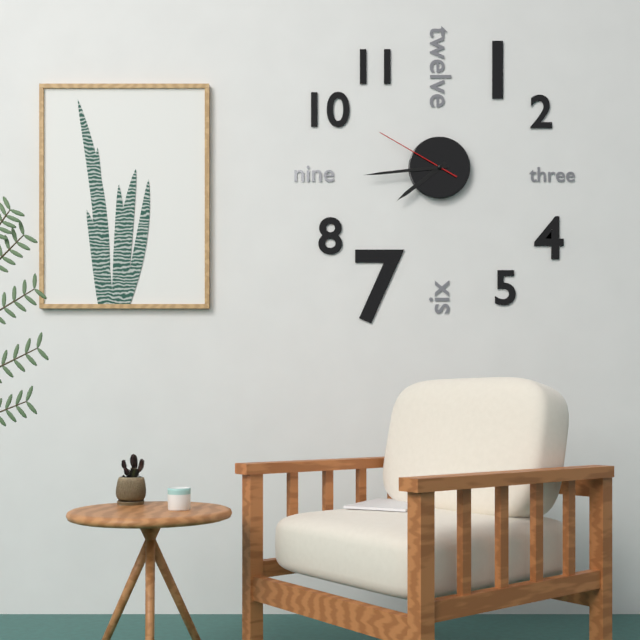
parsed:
**7:44:50**
